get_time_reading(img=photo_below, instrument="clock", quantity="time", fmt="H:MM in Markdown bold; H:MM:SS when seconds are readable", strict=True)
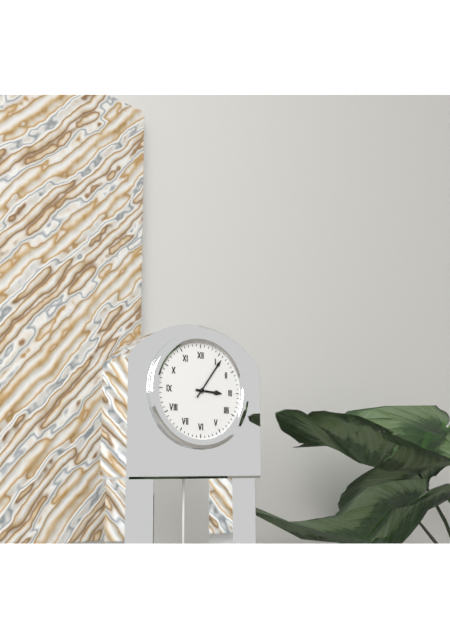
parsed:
**3:06**
